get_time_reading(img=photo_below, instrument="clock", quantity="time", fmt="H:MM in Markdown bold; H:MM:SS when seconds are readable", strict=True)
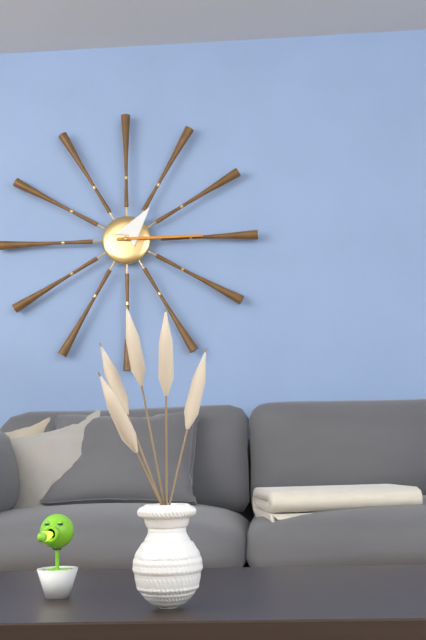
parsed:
**1:15**
